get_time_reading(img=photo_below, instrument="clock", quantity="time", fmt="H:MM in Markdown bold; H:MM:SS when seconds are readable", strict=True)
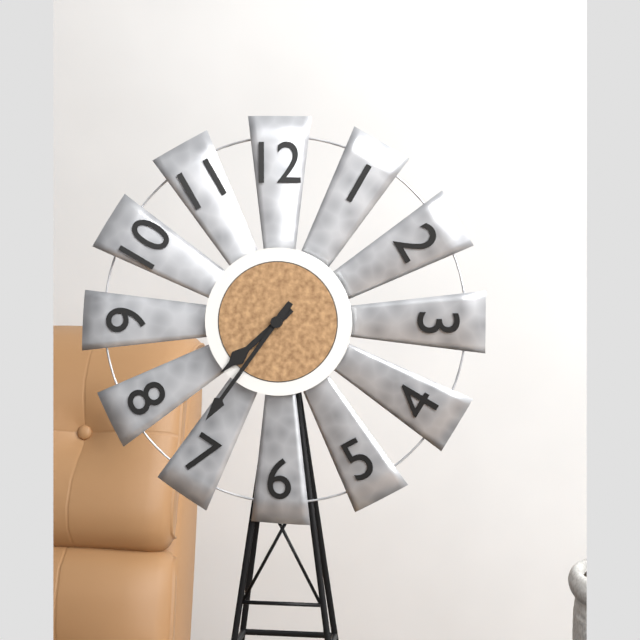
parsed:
**7:36**
